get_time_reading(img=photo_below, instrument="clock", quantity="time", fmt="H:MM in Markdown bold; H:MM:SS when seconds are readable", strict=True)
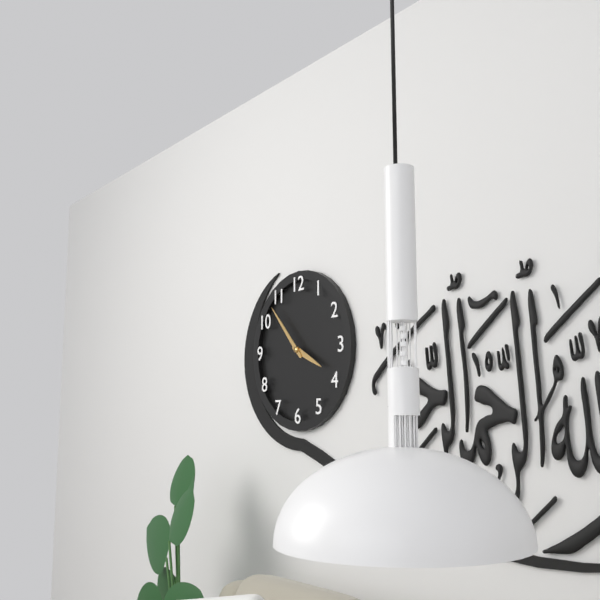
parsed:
**3:53**
